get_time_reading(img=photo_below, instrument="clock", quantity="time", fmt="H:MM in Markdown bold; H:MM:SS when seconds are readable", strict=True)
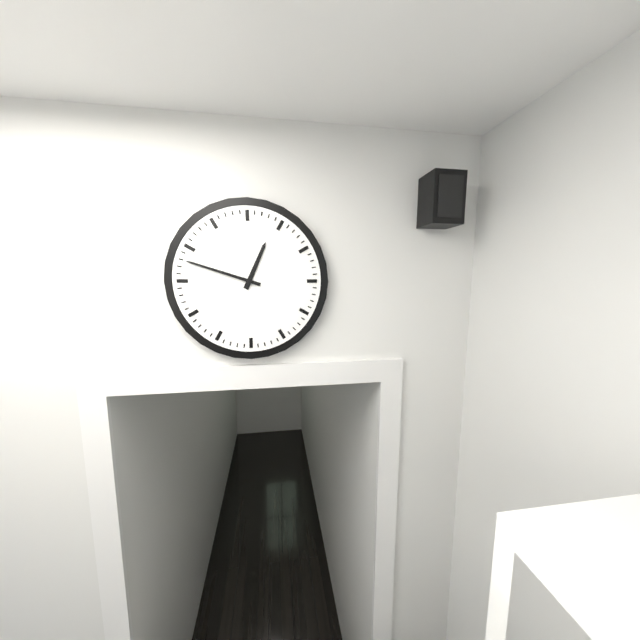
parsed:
**12:48**
